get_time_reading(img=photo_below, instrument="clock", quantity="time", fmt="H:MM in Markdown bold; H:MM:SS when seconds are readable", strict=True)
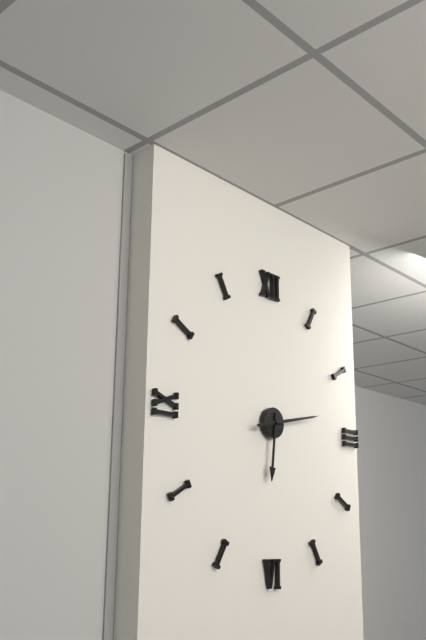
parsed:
**6:13**
